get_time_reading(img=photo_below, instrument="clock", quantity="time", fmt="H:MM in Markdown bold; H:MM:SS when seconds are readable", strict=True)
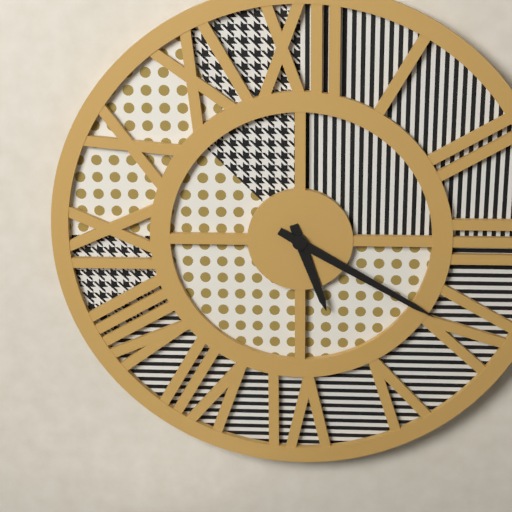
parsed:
**5:20**
